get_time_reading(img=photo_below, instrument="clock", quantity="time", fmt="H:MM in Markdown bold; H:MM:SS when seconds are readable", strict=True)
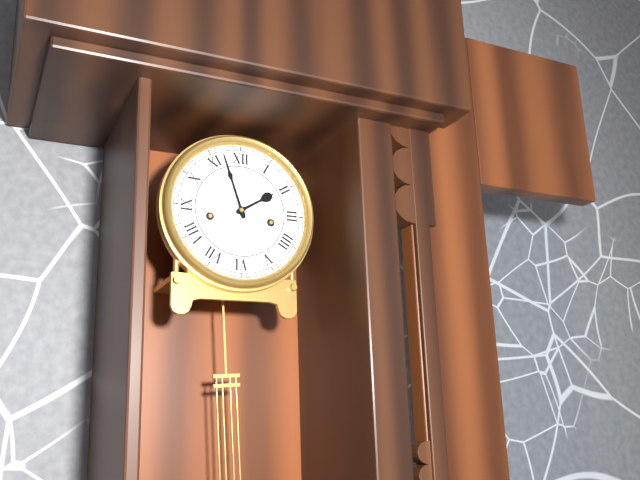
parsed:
**1:57**
